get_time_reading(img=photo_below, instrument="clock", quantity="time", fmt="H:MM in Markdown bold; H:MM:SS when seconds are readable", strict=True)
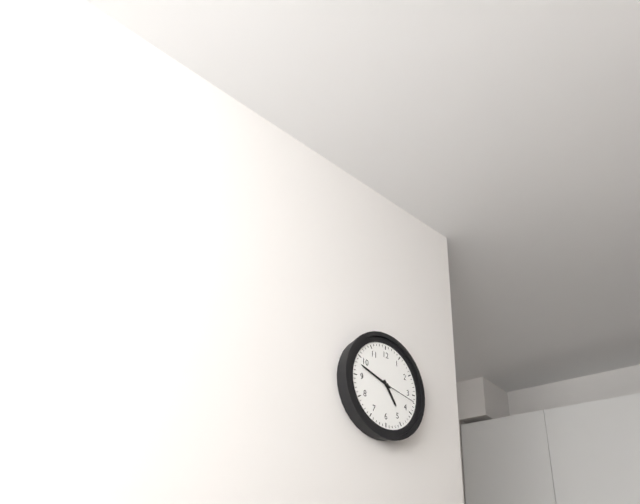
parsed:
**4:48**
